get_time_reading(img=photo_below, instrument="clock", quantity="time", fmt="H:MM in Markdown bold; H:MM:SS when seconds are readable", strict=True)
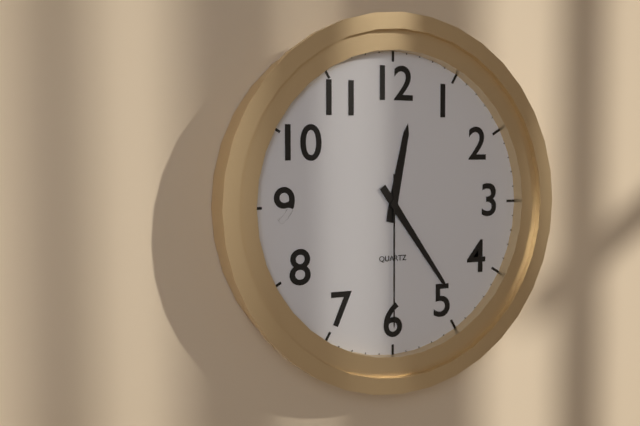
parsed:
**12:24:30**
